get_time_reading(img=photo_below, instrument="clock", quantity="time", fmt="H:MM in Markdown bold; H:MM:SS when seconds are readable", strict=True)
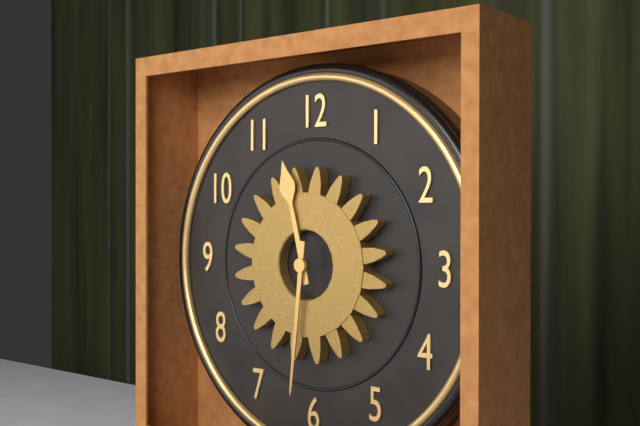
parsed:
**11:31**
